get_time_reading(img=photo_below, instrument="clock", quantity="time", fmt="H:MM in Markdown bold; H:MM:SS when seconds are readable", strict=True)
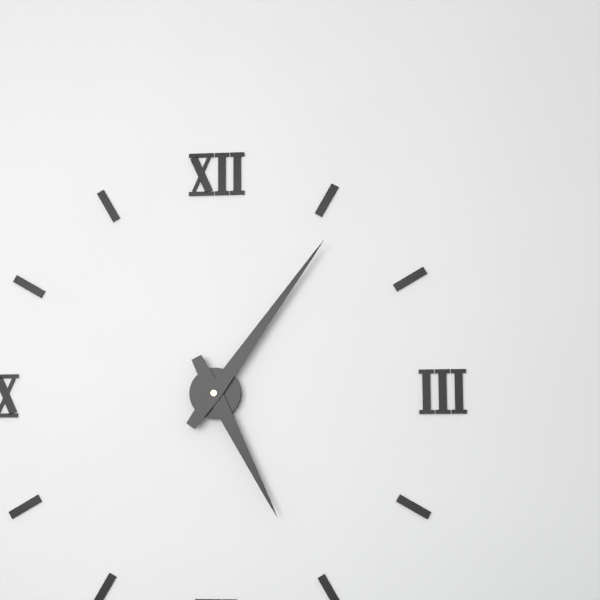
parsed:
**5:06**
